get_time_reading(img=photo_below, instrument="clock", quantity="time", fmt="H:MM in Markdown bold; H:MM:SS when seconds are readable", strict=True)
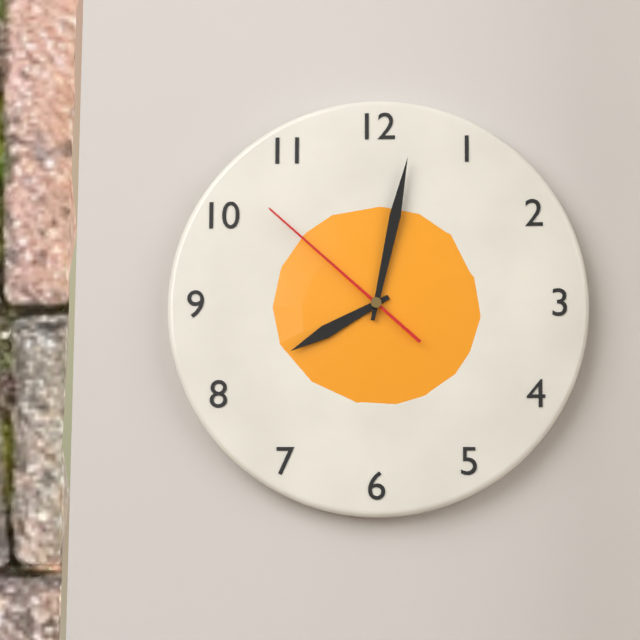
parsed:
**8:02:52**
